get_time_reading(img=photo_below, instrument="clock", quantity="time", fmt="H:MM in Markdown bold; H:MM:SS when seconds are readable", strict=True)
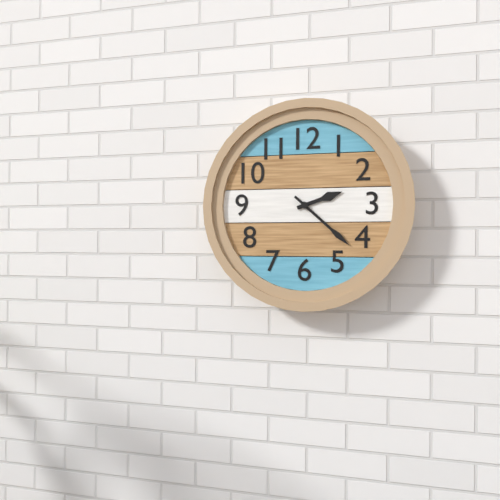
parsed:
**2:22**
